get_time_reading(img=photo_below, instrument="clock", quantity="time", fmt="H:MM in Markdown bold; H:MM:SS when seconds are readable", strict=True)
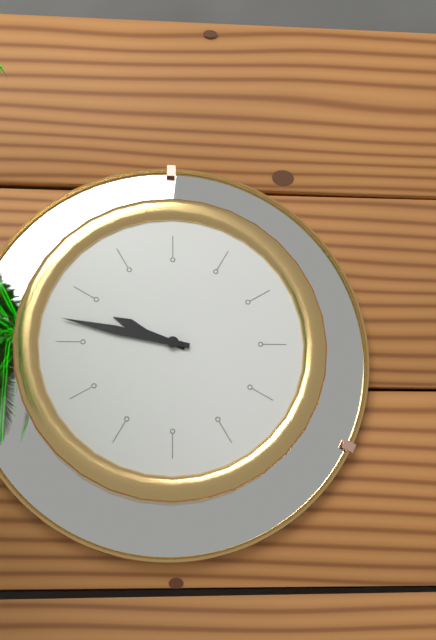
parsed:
**9:47**
